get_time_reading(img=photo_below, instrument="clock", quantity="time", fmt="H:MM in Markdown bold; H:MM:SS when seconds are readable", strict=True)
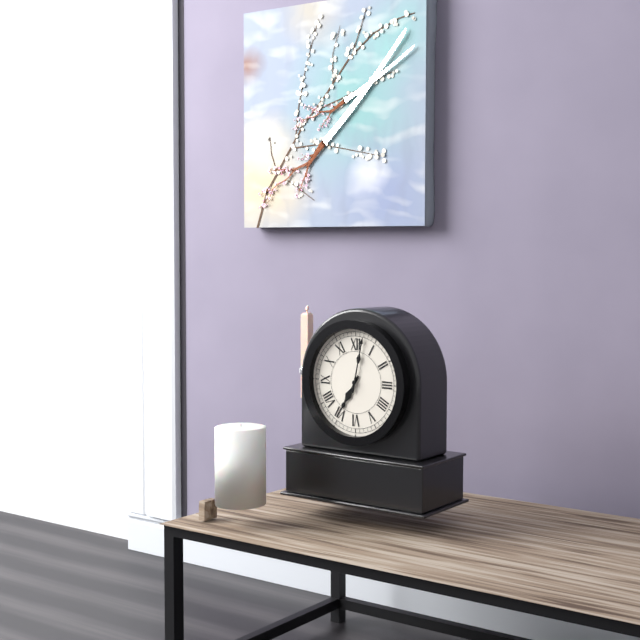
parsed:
**7:02**
